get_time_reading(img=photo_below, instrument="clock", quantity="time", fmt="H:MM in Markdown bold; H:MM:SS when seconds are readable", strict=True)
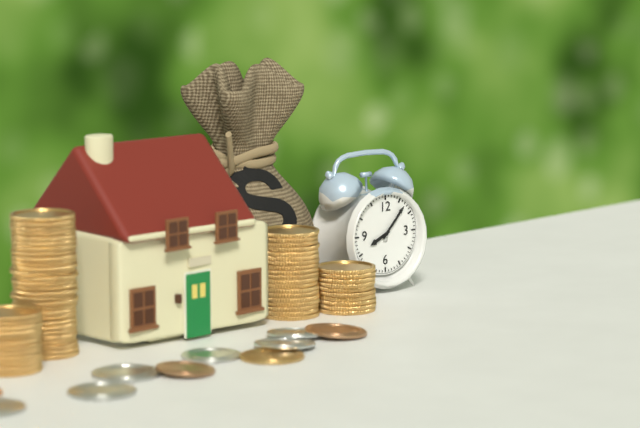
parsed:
**8:07**
